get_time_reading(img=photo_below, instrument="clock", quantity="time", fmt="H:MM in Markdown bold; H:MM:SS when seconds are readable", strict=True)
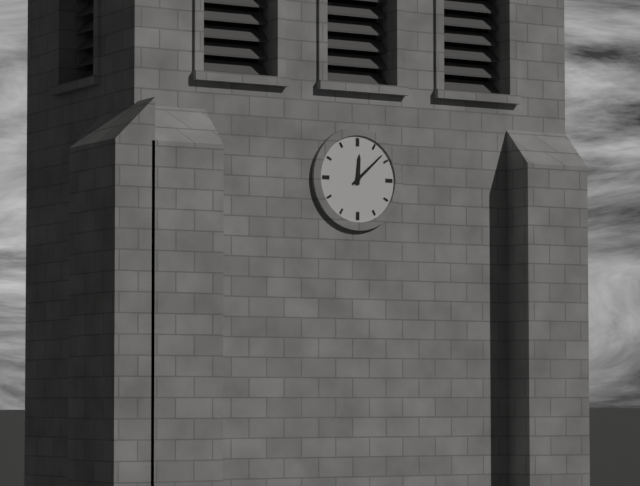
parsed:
**12:08**
